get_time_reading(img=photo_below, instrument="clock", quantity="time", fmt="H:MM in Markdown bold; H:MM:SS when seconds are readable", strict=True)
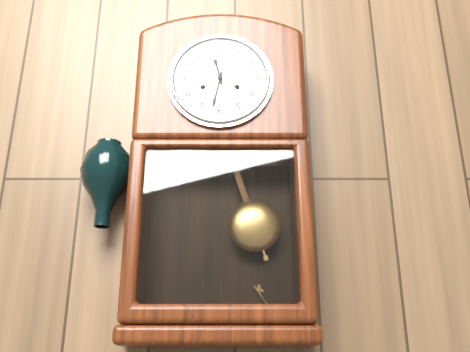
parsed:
**11:32**
